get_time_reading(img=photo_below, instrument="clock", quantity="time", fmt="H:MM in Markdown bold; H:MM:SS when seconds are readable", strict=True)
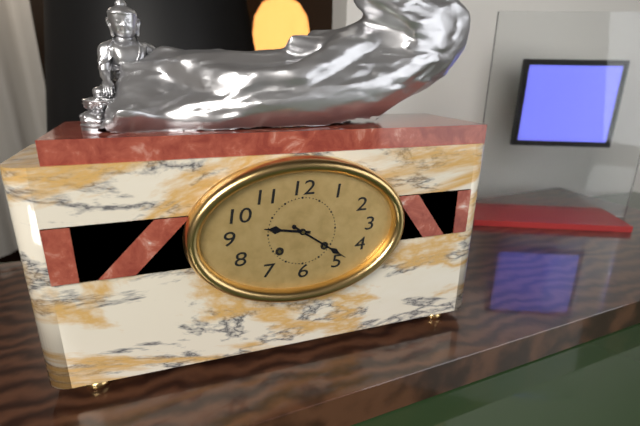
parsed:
**9:21**
